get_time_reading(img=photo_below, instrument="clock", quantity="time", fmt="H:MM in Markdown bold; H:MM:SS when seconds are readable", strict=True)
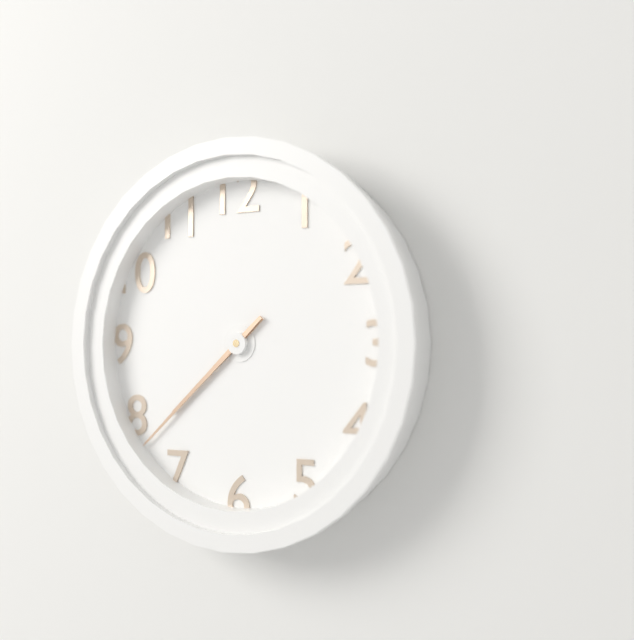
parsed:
**7:38**
